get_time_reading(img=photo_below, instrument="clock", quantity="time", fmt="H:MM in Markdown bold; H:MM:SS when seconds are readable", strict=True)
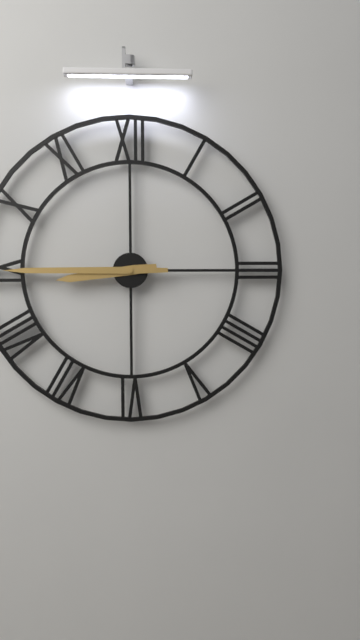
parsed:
**8:45**
